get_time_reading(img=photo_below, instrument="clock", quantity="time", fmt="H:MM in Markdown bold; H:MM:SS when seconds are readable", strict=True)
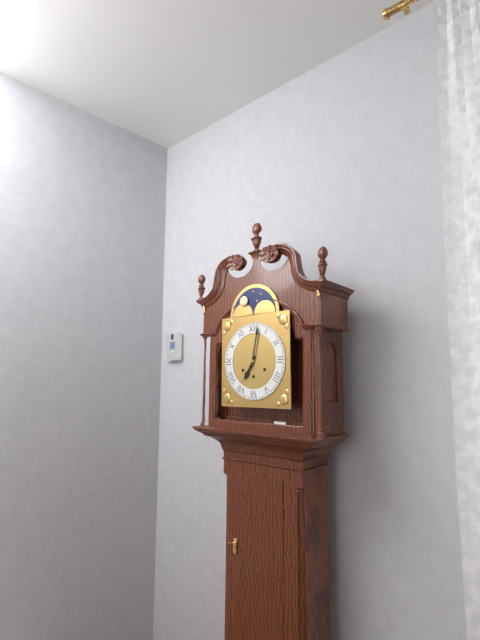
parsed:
**7:02**
